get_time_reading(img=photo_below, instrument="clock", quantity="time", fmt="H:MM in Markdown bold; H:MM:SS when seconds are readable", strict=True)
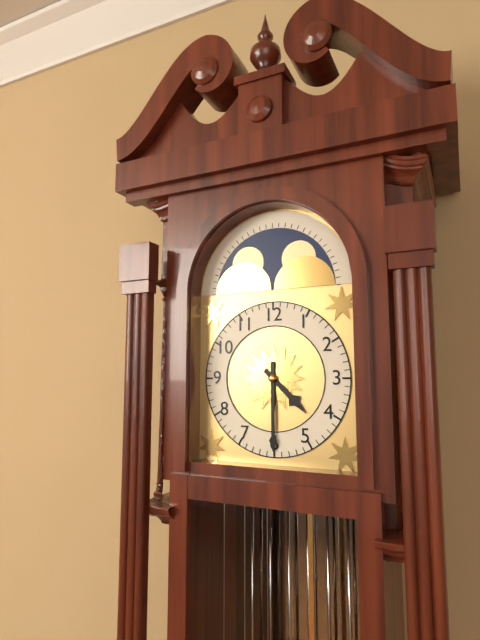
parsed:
**4:30**
